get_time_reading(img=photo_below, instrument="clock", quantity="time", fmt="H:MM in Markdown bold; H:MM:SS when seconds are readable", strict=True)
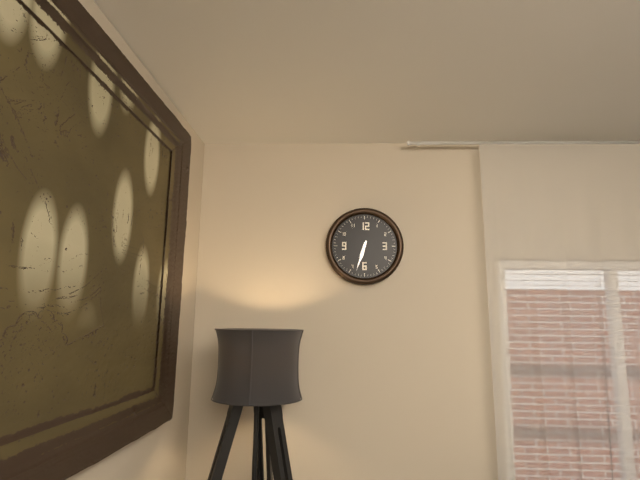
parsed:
**6:33**
